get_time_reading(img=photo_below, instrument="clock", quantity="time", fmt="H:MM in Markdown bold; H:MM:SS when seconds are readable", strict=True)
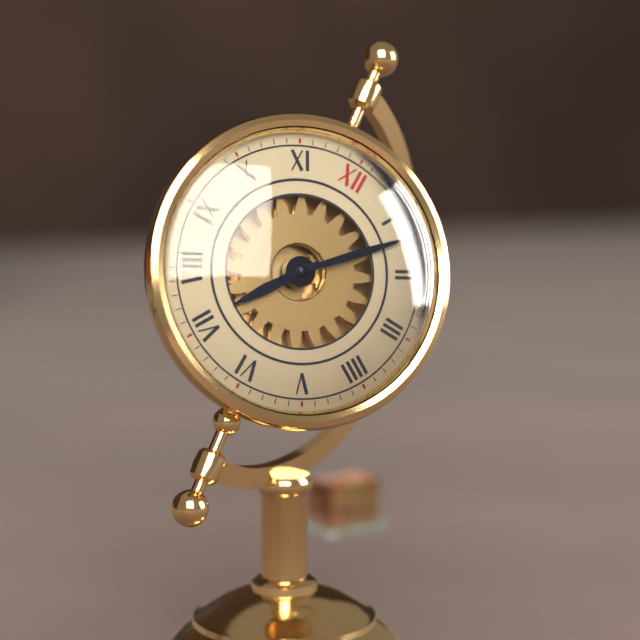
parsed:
**7:07**
